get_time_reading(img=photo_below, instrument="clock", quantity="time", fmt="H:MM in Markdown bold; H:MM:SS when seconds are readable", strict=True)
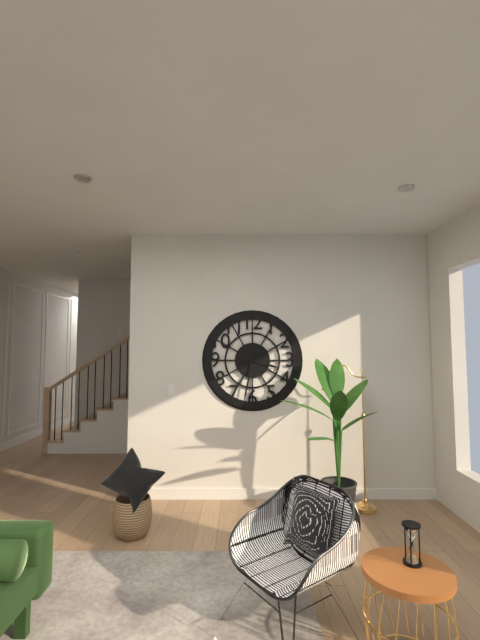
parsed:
**3:32**
